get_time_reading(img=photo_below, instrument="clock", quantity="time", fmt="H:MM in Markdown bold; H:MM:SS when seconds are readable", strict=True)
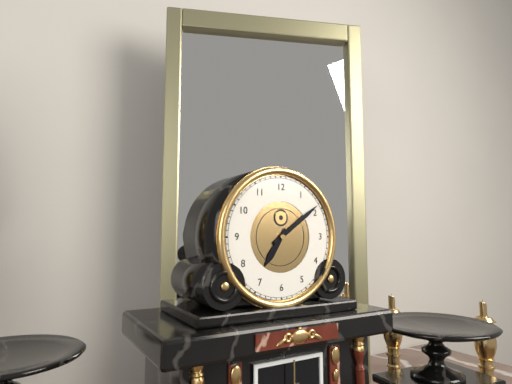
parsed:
**7:09**
